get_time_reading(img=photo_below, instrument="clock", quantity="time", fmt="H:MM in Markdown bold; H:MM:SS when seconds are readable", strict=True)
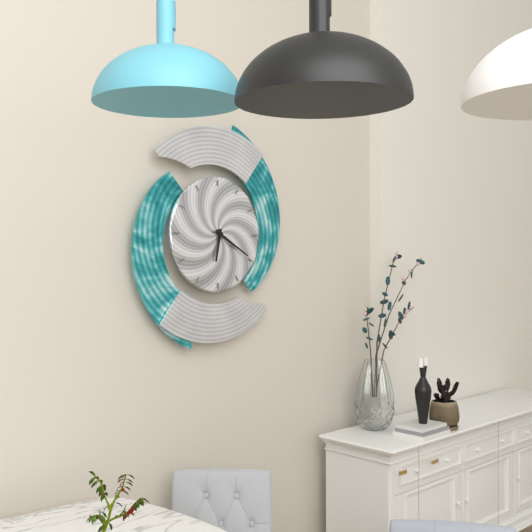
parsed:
**6:20**
